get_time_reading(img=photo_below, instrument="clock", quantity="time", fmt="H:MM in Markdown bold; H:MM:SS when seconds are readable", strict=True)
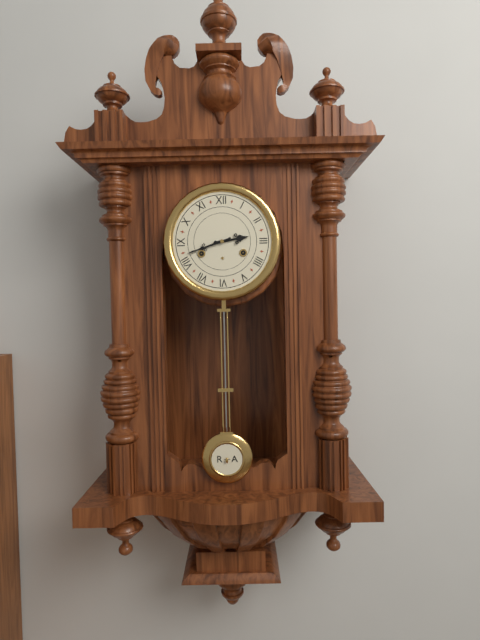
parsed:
**2:42**
